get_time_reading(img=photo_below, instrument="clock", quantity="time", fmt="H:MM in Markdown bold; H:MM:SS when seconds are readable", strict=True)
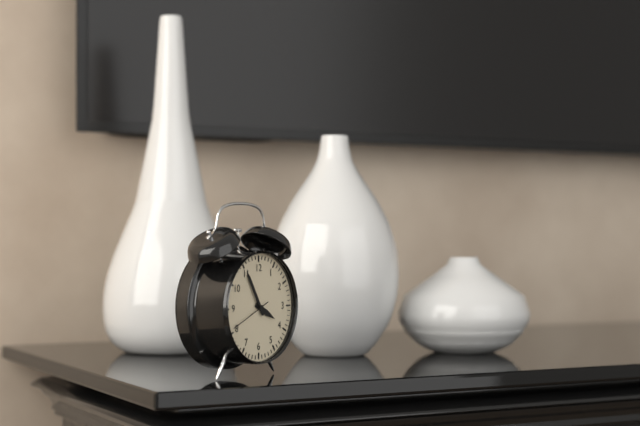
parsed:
**3:55**
